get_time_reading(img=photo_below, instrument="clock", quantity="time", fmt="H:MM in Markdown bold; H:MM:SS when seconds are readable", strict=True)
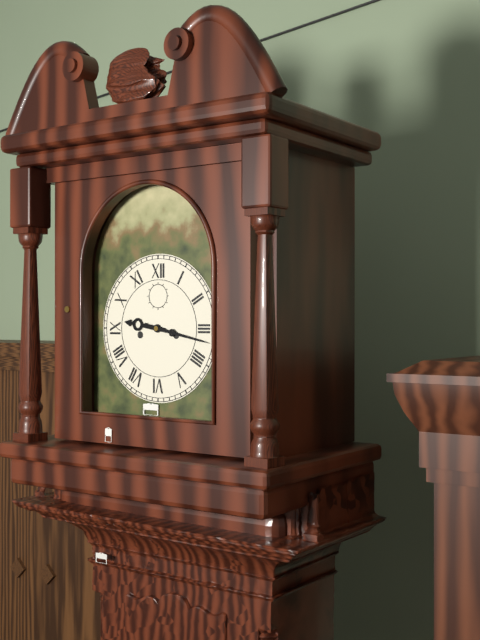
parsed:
**9:17**
